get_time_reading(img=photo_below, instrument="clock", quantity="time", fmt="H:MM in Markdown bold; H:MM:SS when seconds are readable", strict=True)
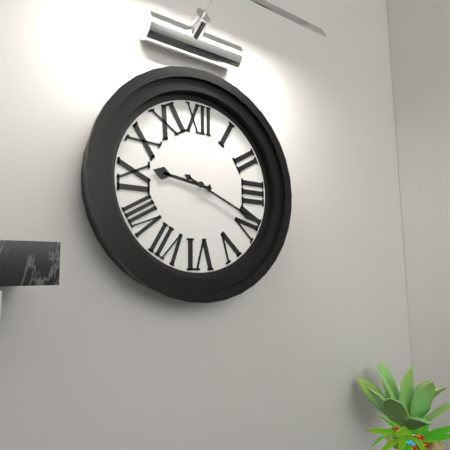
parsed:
**9:19**
